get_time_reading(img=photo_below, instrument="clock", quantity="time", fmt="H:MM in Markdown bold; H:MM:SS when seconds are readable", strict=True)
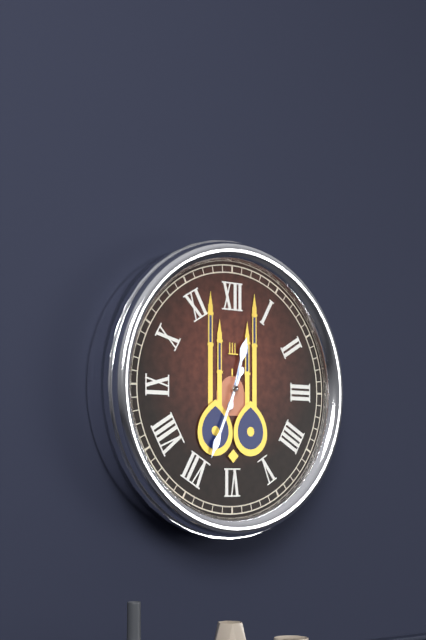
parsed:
**12:34**
